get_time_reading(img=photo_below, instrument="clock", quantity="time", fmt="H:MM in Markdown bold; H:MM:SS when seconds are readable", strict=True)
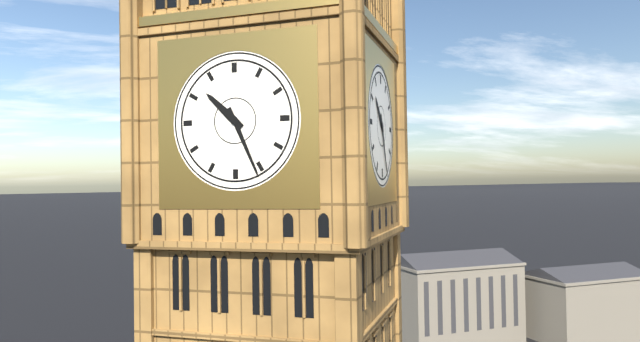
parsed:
**10:26**
